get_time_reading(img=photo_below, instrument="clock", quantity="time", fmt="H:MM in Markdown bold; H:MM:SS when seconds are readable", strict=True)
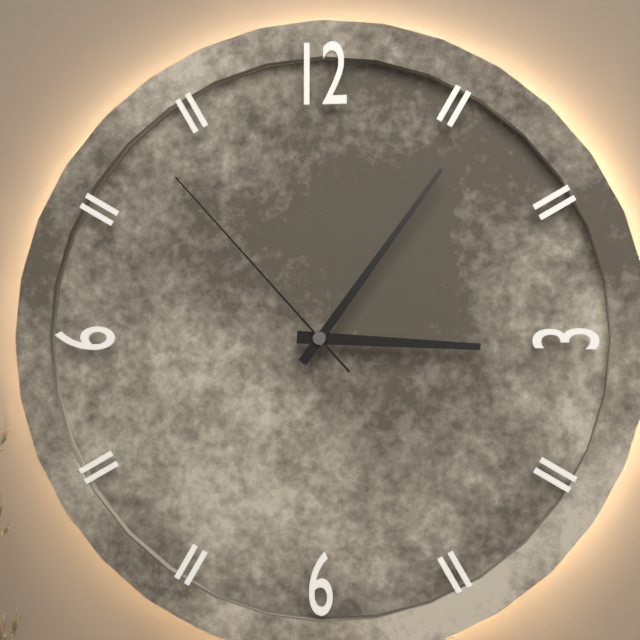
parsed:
**3:06:53**
